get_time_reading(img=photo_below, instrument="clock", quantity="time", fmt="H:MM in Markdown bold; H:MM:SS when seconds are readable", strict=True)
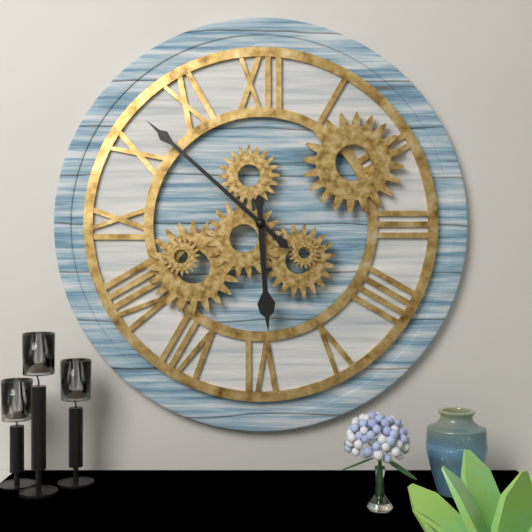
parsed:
**5:52**
